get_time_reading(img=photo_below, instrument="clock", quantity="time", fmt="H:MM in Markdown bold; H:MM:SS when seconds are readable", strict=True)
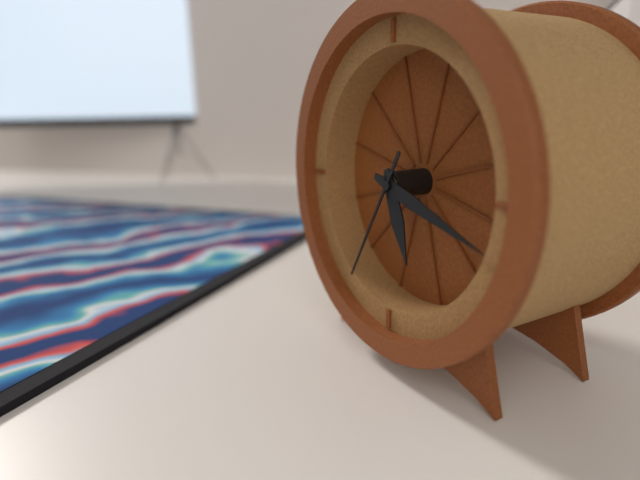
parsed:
**5:18:35**
